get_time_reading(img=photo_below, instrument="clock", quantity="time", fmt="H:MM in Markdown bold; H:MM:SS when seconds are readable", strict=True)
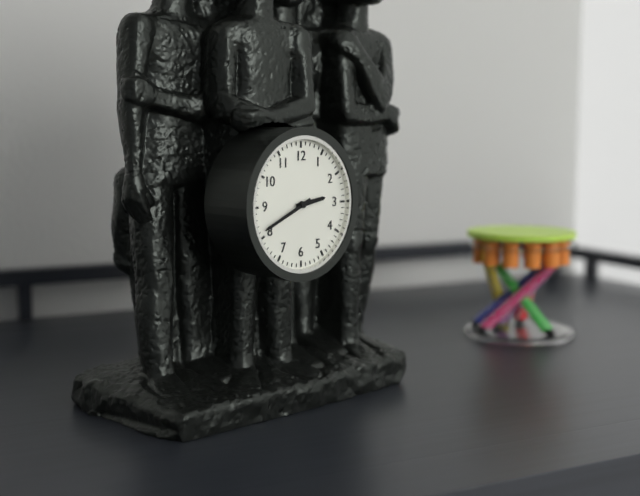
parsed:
**2:41**
